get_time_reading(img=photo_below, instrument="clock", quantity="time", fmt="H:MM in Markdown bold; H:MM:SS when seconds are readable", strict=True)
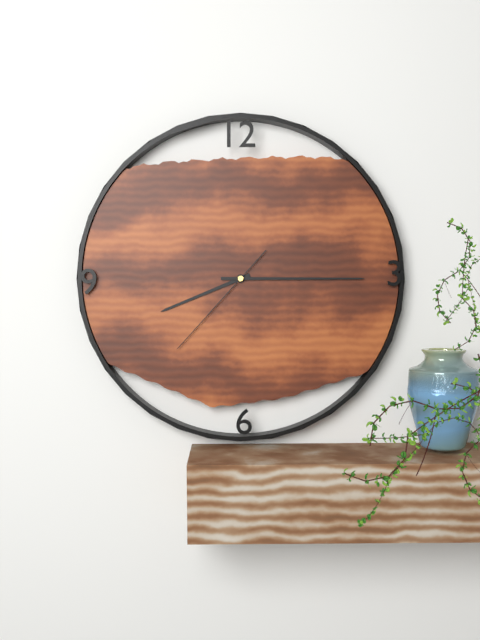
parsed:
**8:15:37**
